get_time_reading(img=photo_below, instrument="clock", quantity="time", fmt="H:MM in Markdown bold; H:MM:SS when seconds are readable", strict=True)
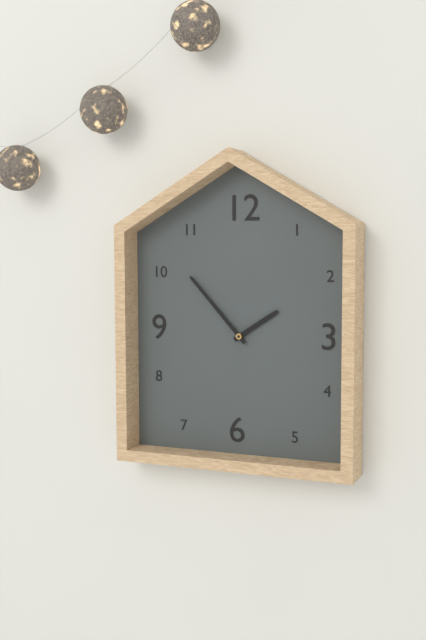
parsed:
**1:53**
